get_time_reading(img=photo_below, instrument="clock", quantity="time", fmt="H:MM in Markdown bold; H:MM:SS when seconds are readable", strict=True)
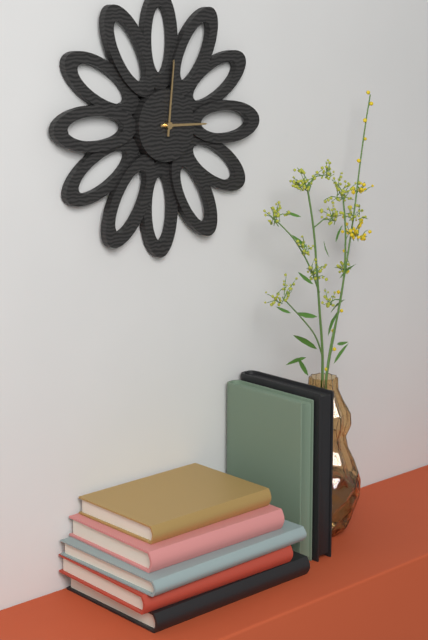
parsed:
**3:01**
